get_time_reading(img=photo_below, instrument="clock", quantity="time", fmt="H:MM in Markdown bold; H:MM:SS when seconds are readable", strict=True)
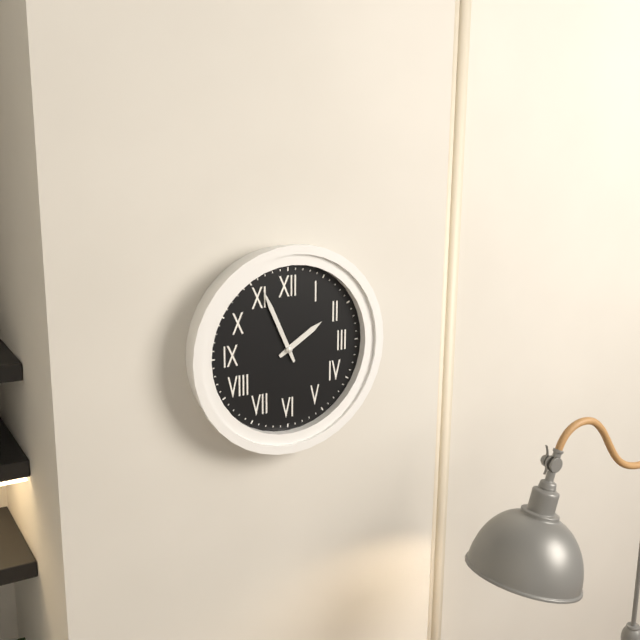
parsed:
**1:56**
